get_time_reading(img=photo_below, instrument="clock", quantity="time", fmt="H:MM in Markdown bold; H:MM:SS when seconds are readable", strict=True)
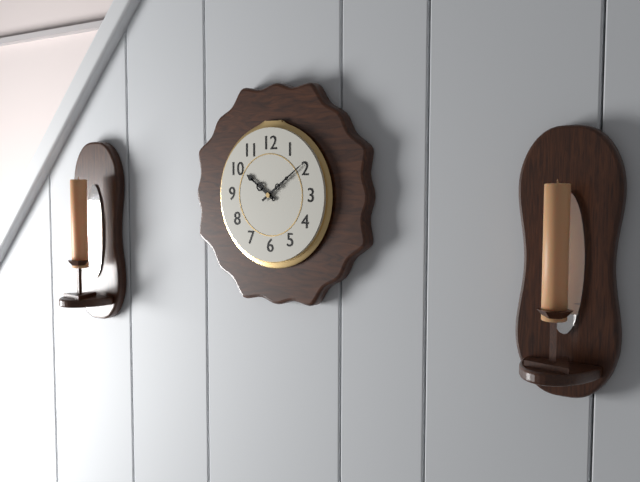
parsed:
**10:09**
